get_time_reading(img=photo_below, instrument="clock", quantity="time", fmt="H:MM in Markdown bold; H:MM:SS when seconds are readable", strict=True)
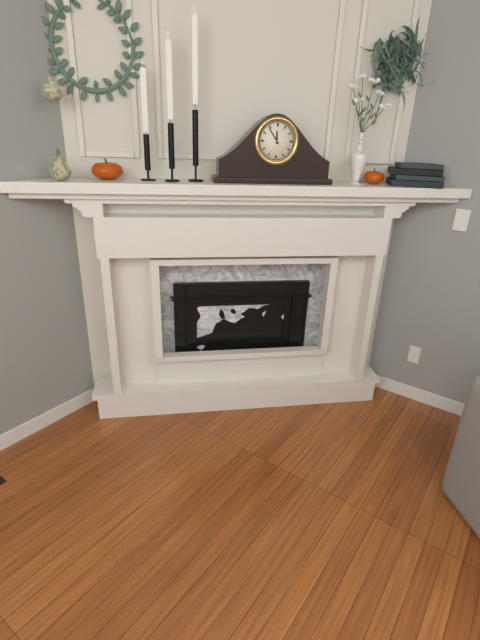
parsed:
**11:54**
